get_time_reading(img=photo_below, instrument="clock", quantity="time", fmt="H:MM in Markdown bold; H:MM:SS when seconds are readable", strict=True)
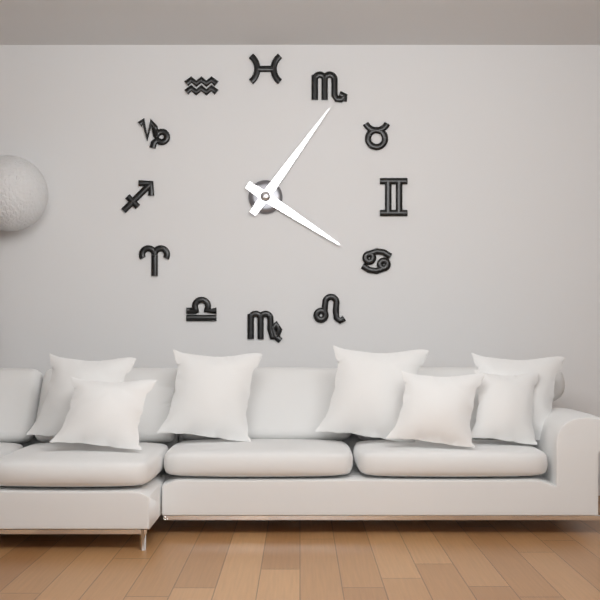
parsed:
**4:06**
